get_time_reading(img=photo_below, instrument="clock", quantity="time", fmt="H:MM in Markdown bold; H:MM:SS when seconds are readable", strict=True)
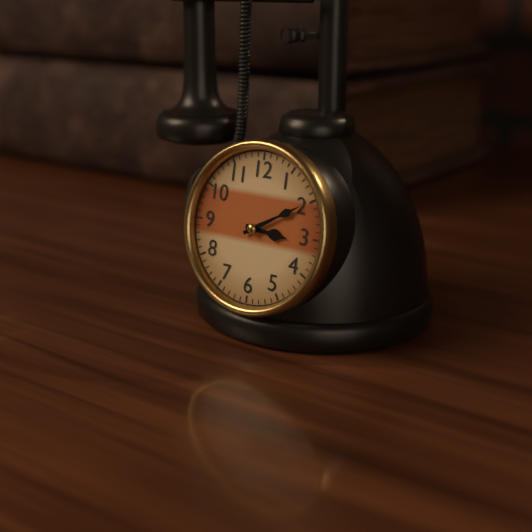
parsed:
**3:10**
